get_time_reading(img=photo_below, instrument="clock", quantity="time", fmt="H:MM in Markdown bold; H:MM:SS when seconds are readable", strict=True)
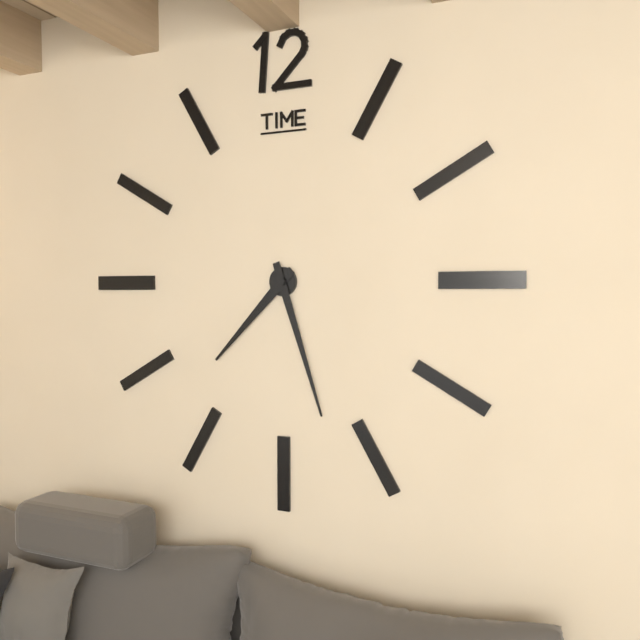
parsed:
**7:27**
